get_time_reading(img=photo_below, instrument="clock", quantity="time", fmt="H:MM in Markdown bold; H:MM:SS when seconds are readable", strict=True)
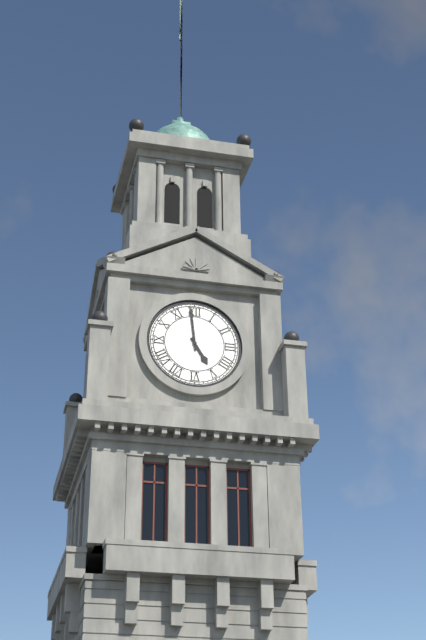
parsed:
**4:59**
